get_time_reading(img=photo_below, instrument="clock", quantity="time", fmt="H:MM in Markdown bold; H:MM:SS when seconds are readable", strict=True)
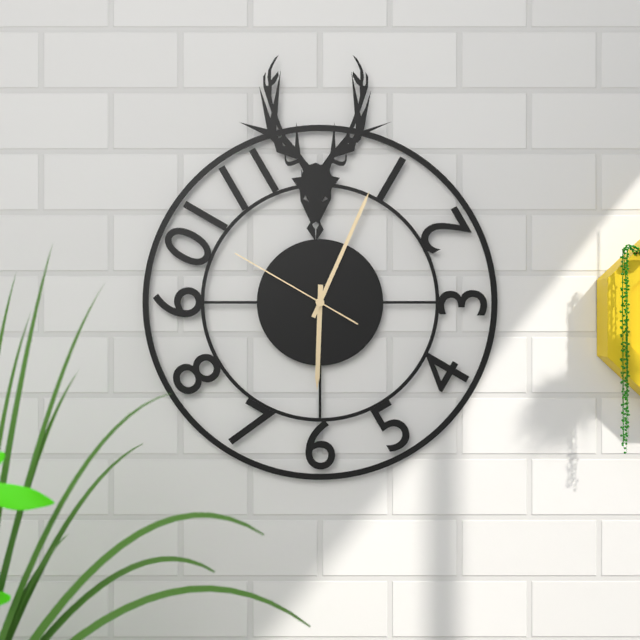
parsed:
**6:04:50**
